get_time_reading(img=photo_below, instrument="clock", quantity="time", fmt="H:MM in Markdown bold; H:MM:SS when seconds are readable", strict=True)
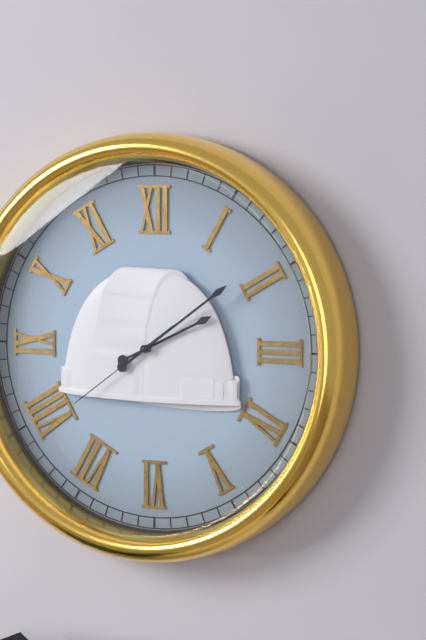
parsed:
**2:09:39**
